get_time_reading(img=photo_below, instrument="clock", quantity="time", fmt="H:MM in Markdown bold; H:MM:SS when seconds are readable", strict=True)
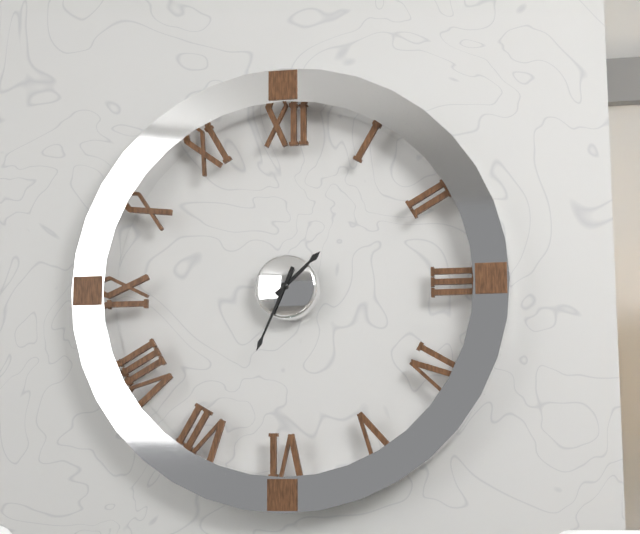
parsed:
**1:34**
